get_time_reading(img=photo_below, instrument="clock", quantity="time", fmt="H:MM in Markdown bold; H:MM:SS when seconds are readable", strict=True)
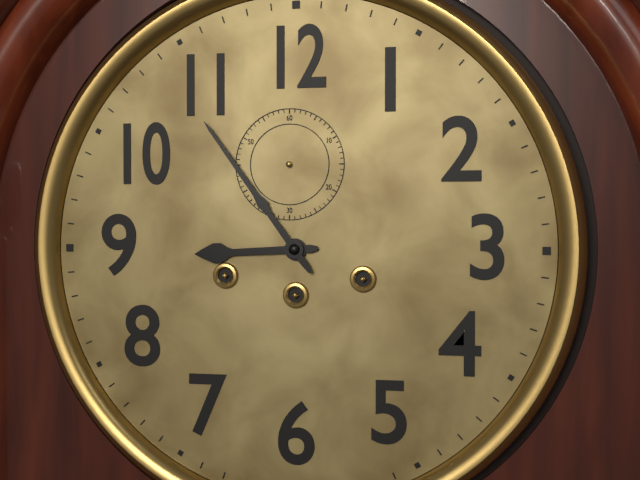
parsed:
**8:54**
